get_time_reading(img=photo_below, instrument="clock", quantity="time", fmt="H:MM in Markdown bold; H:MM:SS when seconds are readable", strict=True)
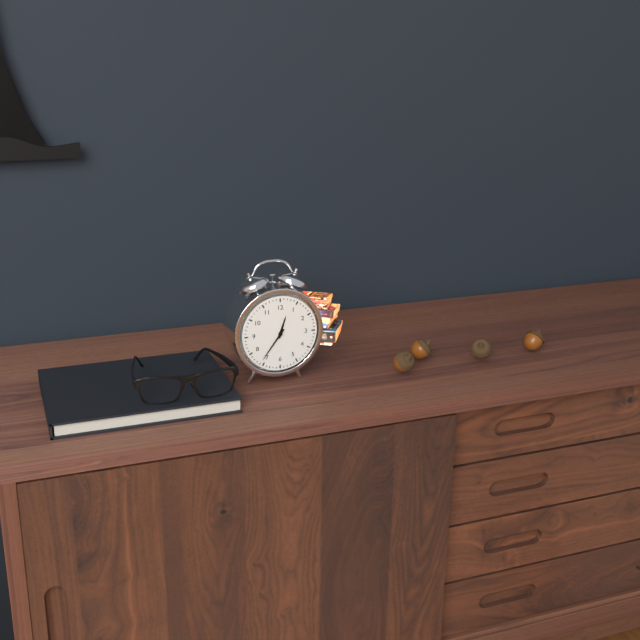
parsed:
**12:36**
